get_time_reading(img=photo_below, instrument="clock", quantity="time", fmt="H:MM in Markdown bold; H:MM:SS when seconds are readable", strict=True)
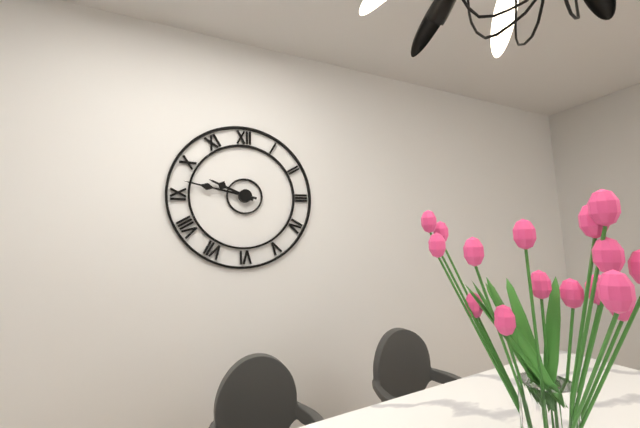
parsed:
**9:47**
